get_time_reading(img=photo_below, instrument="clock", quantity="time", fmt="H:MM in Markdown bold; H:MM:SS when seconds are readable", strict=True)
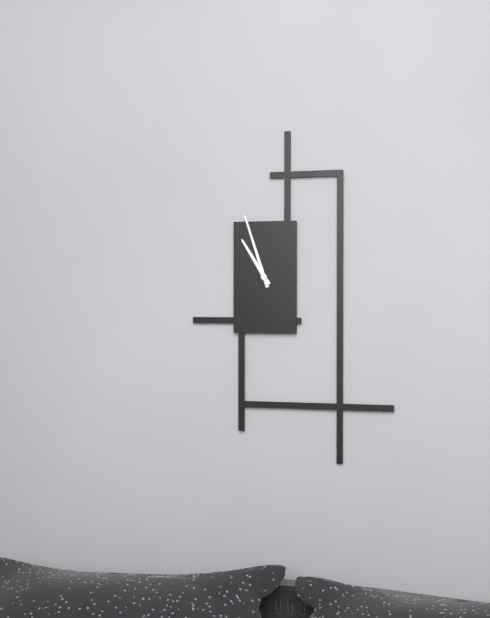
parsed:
**10:57**
